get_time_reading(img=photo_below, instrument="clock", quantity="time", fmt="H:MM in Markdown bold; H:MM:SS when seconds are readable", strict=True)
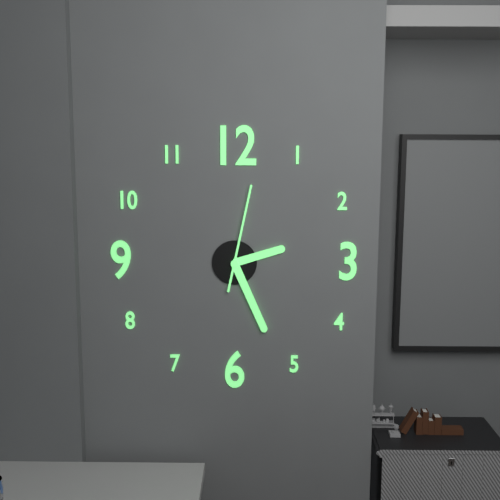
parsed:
**2:26:02**
